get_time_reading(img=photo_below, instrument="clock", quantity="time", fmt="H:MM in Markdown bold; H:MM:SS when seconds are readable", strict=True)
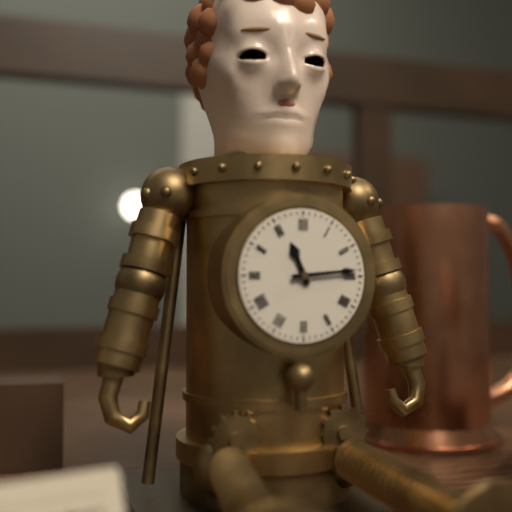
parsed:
**11:14**
